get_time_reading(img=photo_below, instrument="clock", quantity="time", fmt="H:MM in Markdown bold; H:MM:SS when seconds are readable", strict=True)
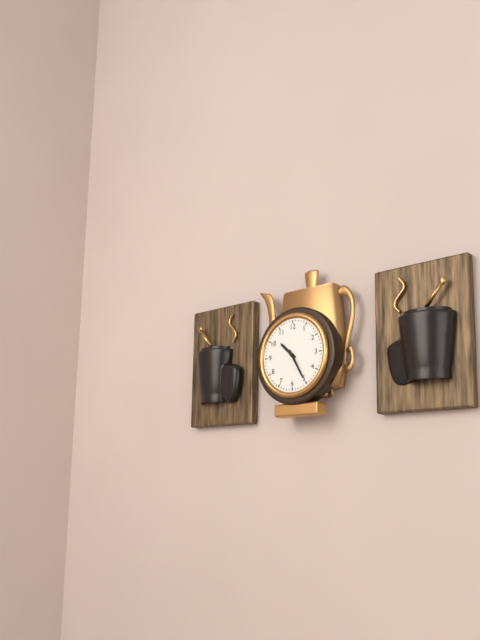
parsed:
**10:25**
